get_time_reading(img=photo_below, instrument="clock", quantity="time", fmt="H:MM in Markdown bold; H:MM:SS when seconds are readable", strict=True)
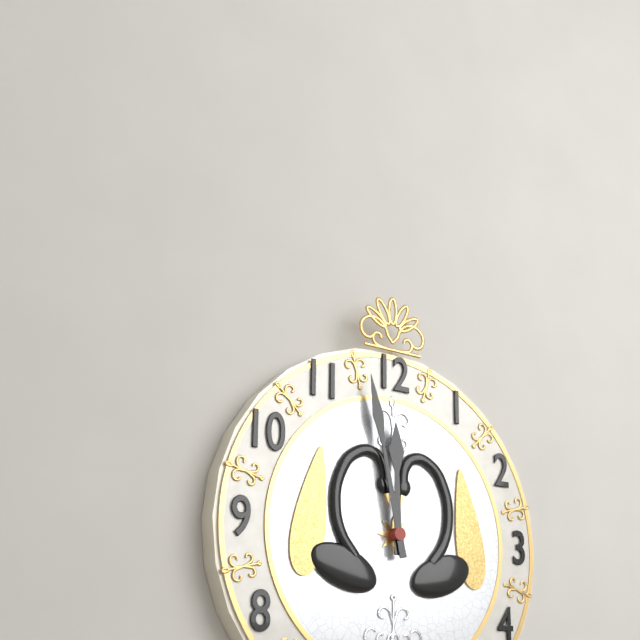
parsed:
**11:58**
